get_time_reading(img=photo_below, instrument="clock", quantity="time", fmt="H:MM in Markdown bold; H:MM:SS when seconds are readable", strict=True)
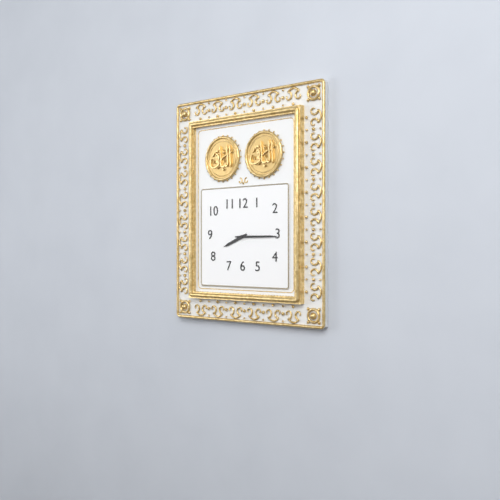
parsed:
**8:15**
